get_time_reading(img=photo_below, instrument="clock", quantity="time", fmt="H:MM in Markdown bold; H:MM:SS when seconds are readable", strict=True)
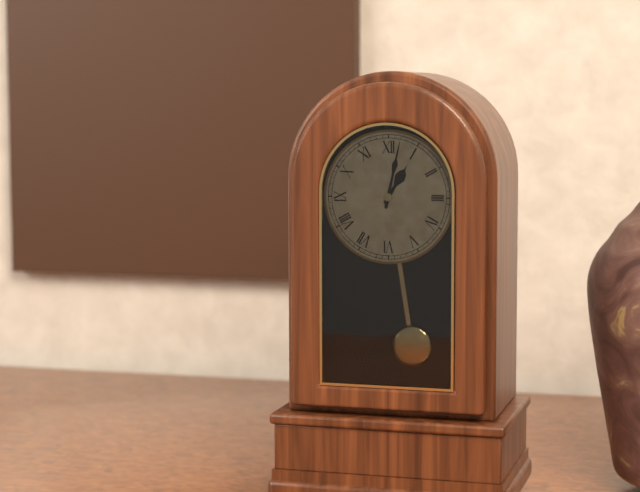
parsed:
**1:02**
